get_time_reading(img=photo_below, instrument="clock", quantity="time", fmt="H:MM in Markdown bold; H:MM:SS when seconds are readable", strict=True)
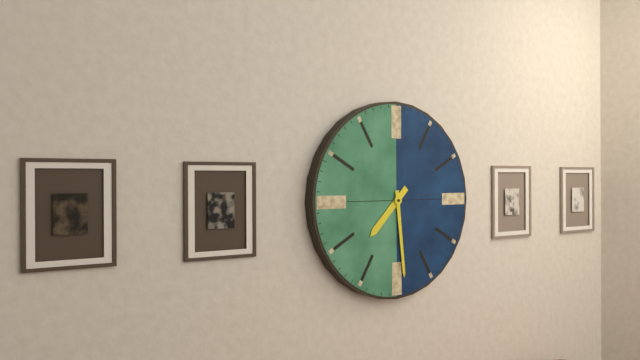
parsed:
**7:29**
